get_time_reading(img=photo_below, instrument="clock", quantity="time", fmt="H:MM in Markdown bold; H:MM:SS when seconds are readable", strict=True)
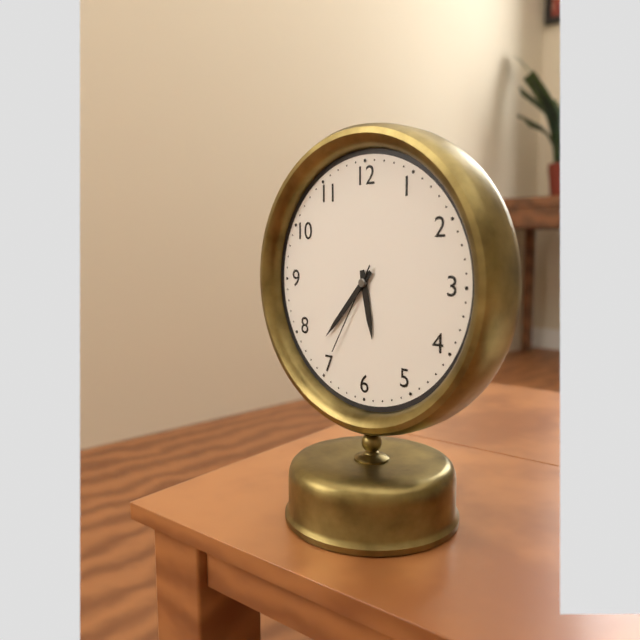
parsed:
**5:37:35**
